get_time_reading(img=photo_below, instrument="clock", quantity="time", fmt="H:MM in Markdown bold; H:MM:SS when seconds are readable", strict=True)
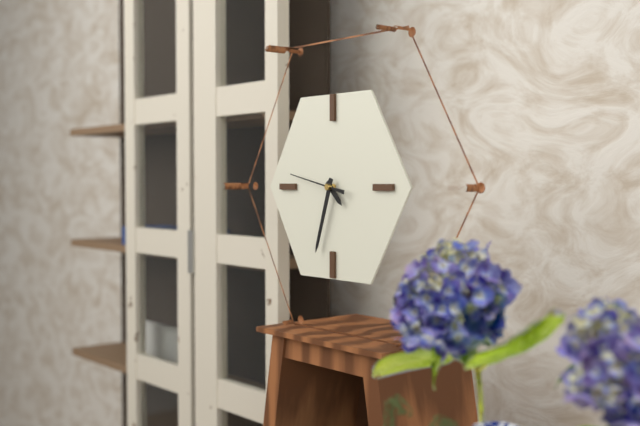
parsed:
**4:33:47**
